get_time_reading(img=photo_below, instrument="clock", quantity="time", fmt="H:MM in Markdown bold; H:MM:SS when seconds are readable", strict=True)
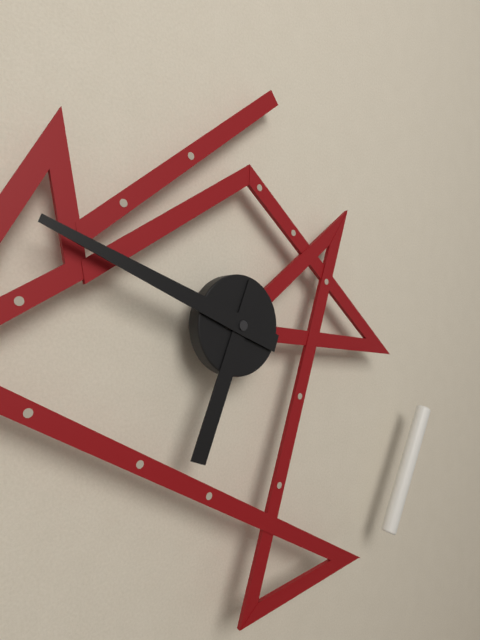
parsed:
**6:49**
